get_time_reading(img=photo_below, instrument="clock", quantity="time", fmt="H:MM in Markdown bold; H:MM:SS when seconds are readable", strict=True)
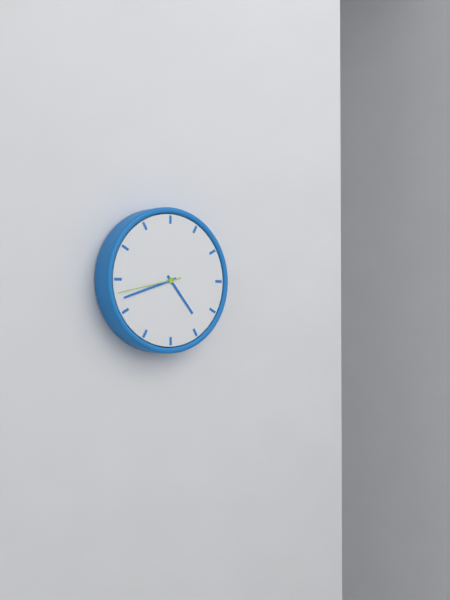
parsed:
**4:42:43**
